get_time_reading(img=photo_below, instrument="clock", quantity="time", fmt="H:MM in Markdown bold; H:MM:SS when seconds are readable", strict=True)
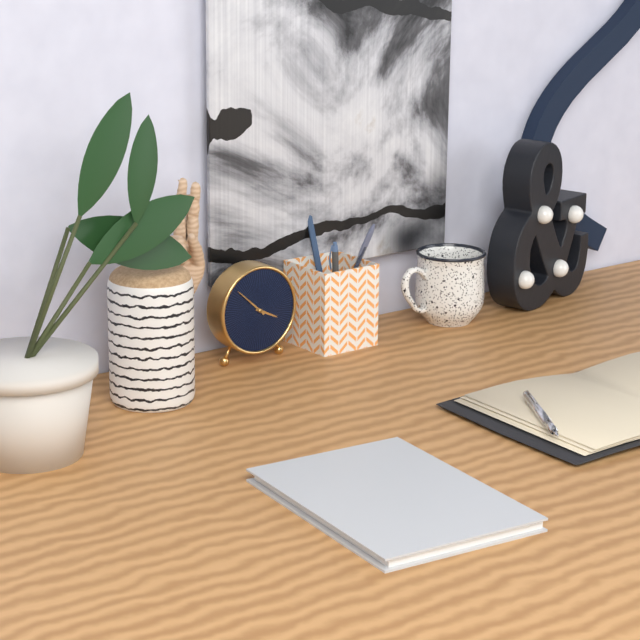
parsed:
**3:52**
